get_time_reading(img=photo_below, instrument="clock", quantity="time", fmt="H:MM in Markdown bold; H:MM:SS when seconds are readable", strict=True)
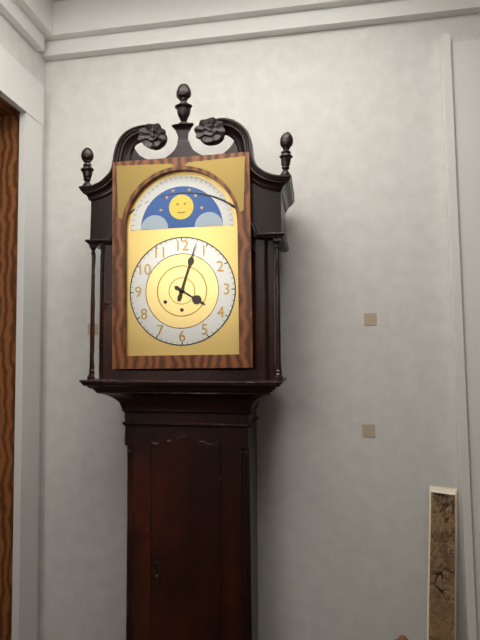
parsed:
**4:03**
